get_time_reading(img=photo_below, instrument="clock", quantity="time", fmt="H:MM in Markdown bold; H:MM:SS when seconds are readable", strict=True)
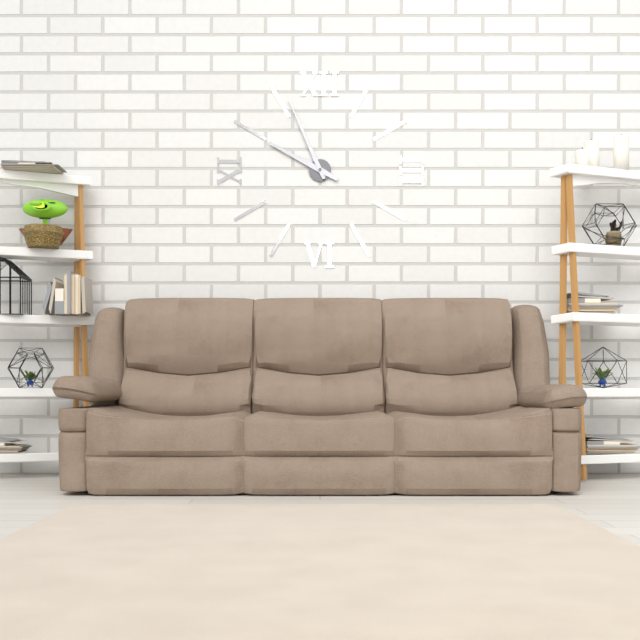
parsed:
**9:56**
